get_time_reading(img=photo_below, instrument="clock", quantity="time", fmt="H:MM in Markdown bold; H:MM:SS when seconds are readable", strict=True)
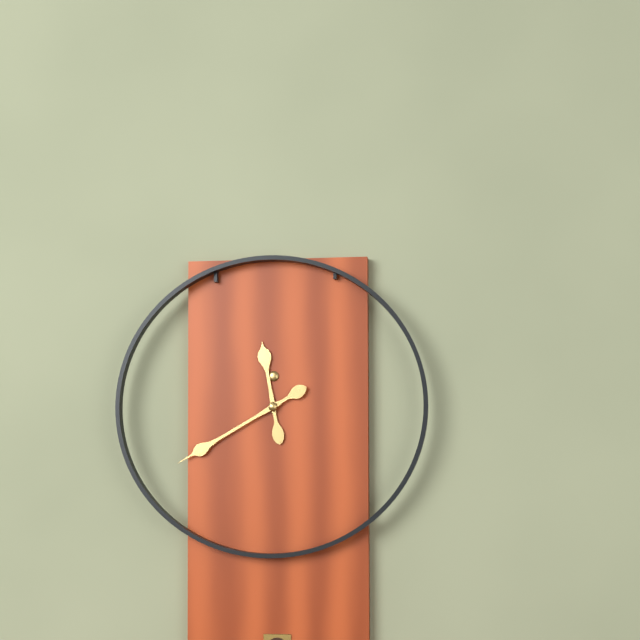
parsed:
**11:40**
